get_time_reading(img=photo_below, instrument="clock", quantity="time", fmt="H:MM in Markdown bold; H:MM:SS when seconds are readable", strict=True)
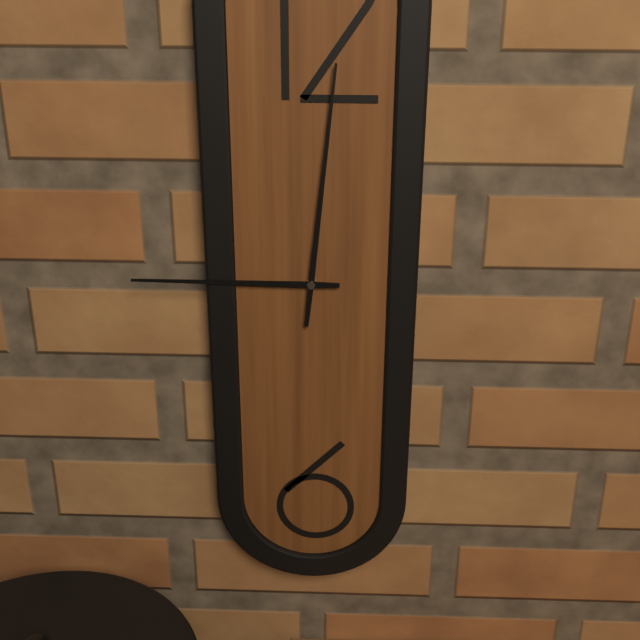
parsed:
**9:01**
